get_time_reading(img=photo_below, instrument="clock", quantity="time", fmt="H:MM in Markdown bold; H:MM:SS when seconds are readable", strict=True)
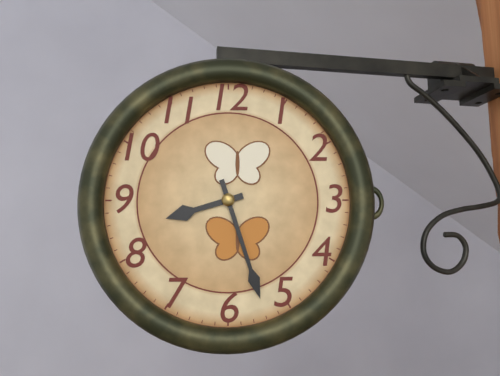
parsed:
**8:27**
